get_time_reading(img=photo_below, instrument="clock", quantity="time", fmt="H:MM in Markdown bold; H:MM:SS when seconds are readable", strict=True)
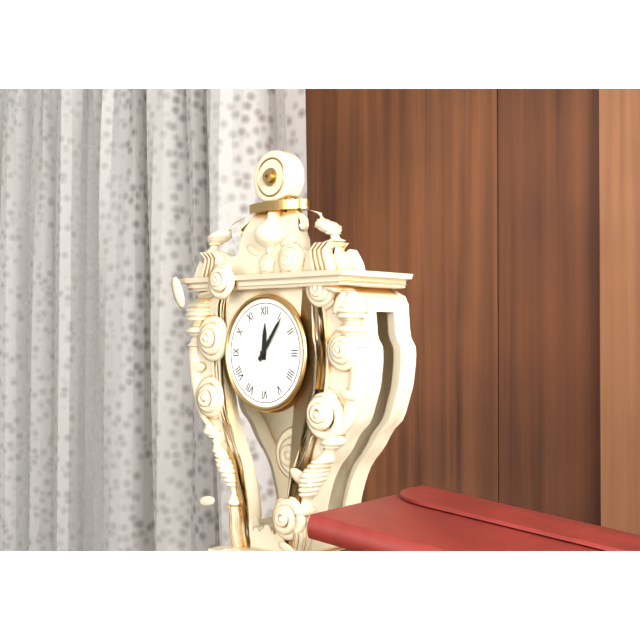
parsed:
**12:06**
